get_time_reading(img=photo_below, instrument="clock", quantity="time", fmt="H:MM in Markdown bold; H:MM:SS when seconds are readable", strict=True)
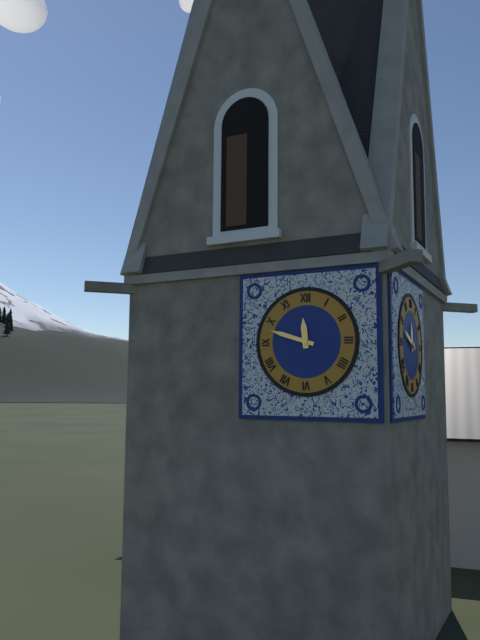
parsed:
**11:48**
